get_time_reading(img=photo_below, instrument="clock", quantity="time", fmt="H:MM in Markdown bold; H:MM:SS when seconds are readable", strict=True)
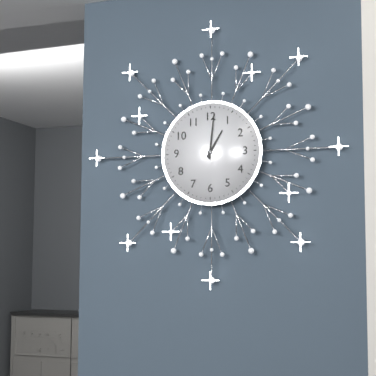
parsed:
**1:01**
